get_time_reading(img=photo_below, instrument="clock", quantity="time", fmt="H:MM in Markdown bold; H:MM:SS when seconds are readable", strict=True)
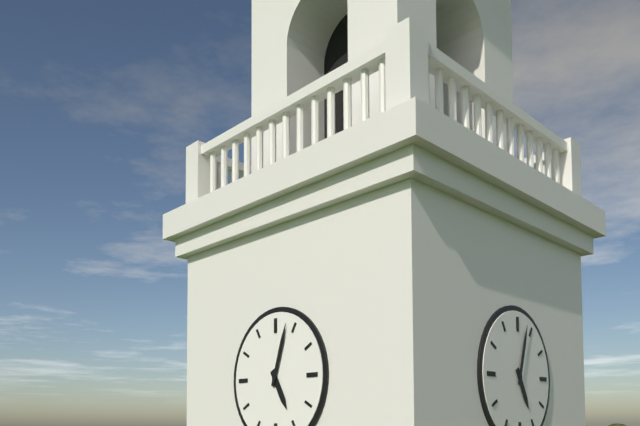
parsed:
**5:03**
